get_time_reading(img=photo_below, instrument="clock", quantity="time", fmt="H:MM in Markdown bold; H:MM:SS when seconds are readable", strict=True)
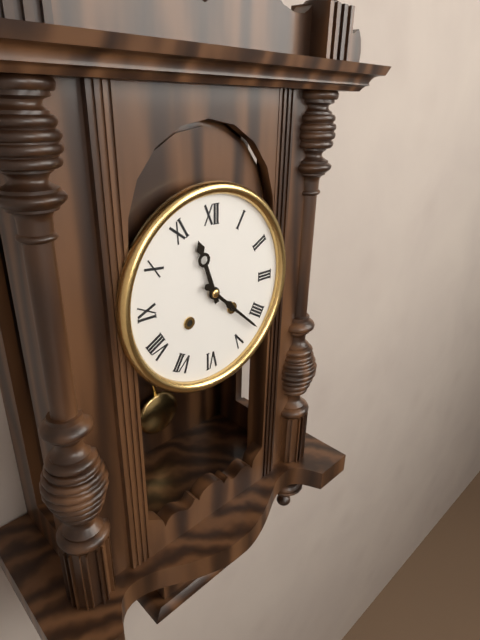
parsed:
**11:22**
